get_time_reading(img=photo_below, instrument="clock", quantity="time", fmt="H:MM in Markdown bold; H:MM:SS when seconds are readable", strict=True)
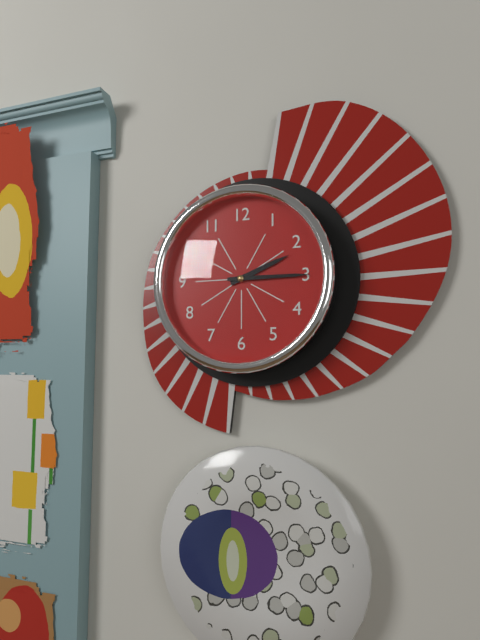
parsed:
**2:15**
